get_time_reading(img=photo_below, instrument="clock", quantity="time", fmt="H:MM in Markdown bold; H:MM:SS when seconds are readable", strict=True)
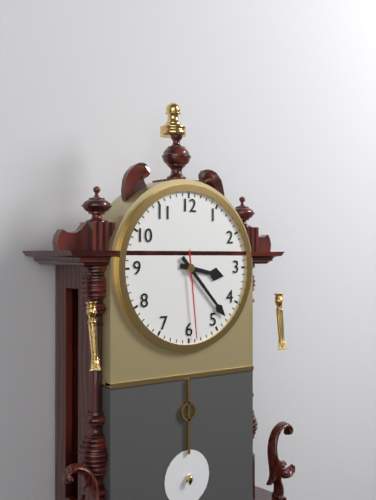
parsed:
**3:23:29**
